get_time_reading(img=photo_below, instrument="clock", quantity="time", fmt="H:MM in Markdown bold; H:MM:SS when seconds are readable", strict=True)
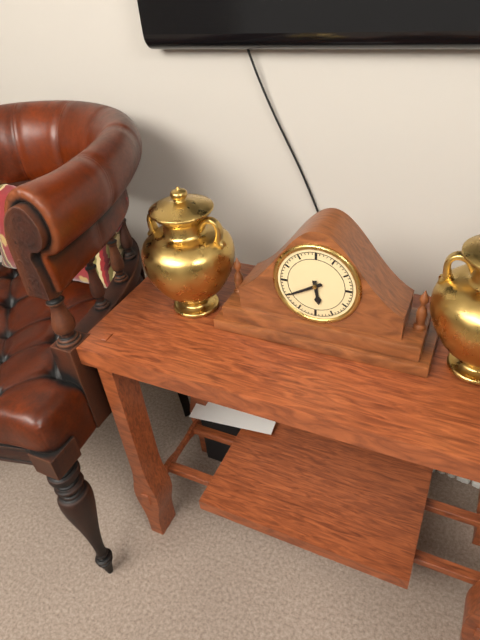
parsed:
**5:40**
